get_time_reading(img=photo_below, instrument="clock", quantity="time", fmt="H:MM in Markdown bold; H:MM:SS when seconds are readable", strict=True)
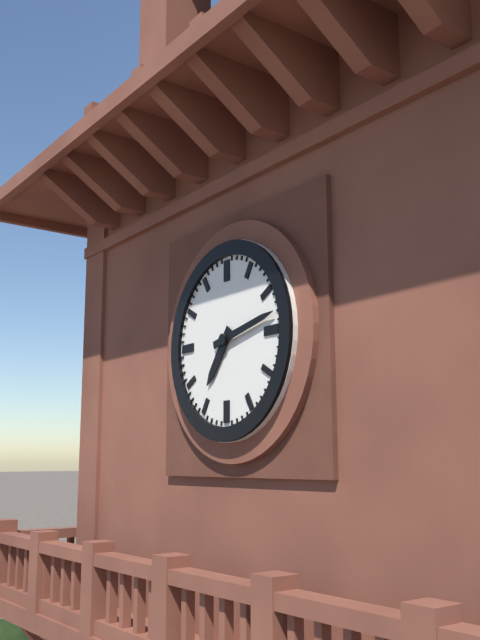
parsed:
**7:13**
